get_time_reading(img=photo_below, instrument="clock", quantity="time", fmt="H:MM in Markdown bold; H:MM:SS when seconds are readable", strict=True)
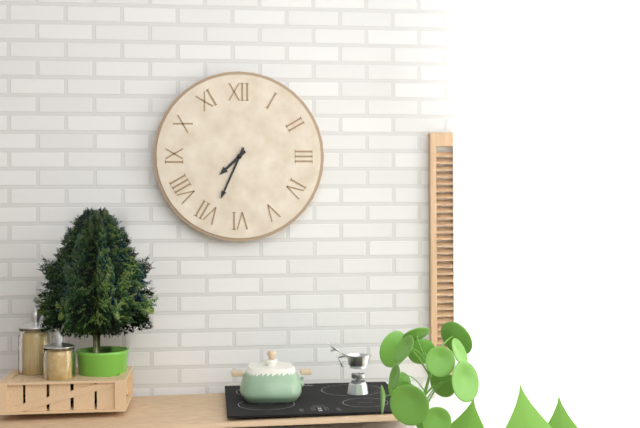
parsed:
**7:34**
